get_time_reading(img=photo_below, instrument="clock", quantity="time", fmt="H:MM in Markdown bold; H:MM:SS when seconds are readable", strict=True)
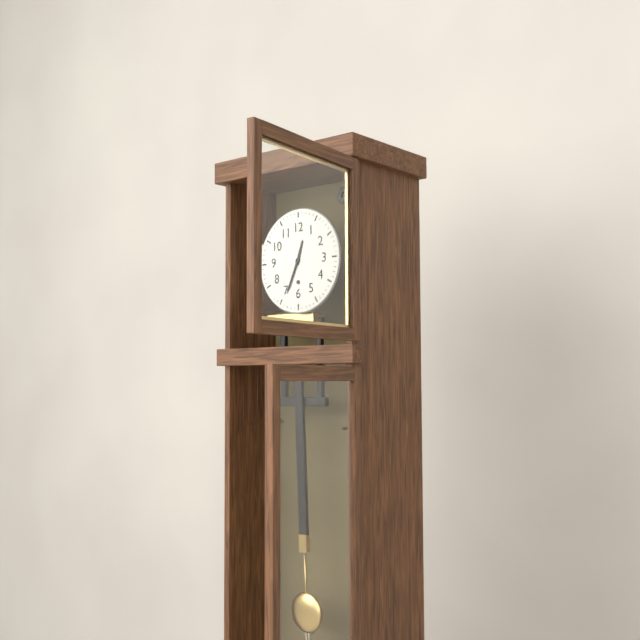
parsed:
**12:34**
